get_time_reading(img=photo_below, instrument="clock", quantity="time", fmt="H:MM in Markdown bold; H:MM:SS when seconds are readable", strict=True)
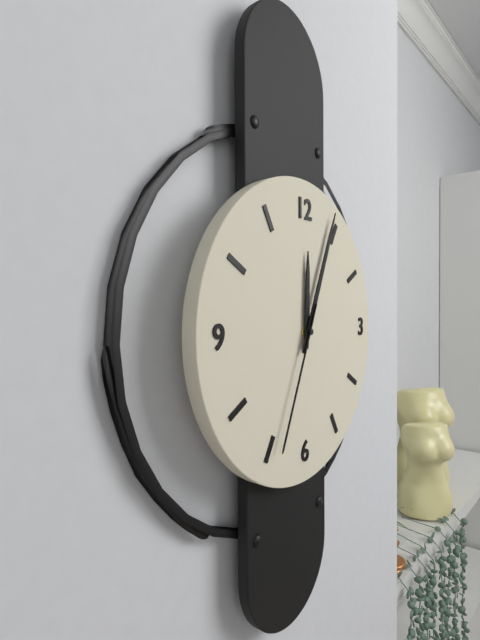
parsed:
**12:04:34**
